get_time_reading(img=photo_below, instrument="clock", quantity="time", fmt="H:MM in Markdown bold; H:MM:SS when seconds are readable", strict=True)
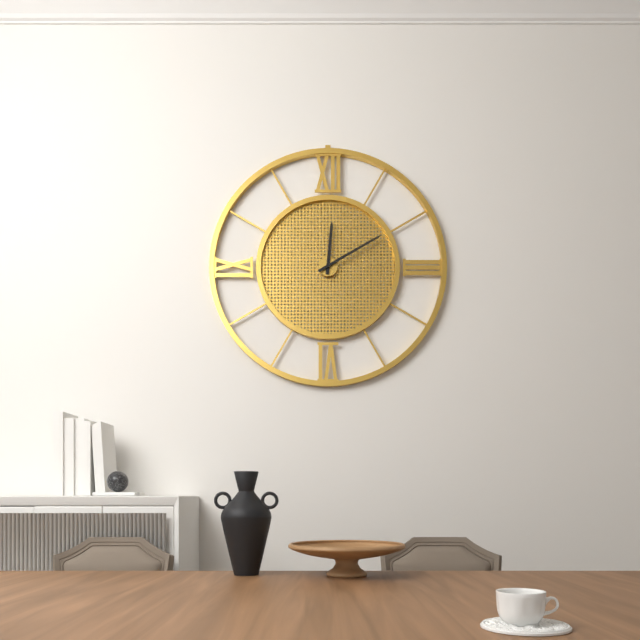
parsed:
**12:10**
